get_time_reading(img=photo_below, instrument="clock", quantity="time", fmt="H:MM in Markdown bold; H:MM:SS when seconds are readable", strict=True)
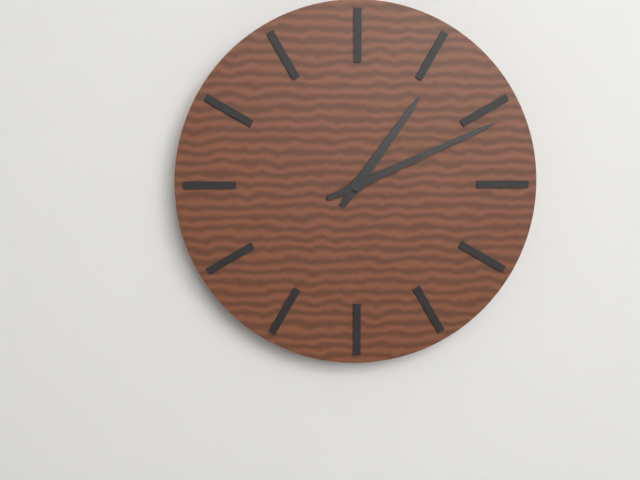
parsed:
**1:11**
